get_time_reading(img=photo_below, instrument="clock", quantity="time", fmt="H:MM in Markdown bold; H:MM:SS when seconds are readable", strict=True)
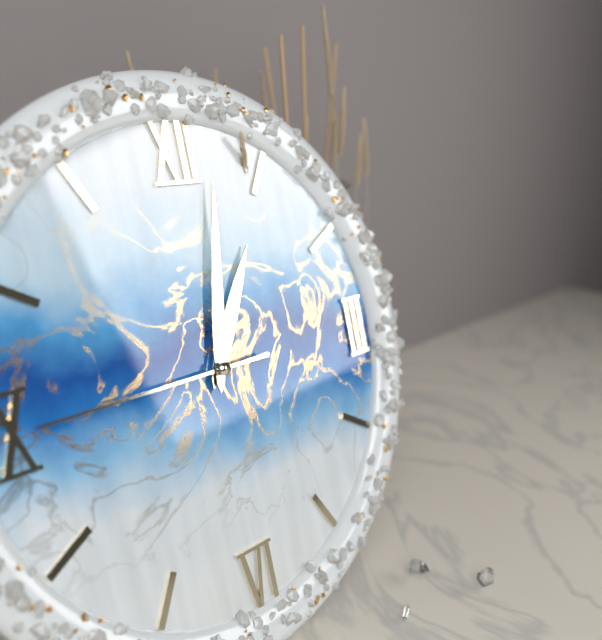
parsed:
**1:02:45**
